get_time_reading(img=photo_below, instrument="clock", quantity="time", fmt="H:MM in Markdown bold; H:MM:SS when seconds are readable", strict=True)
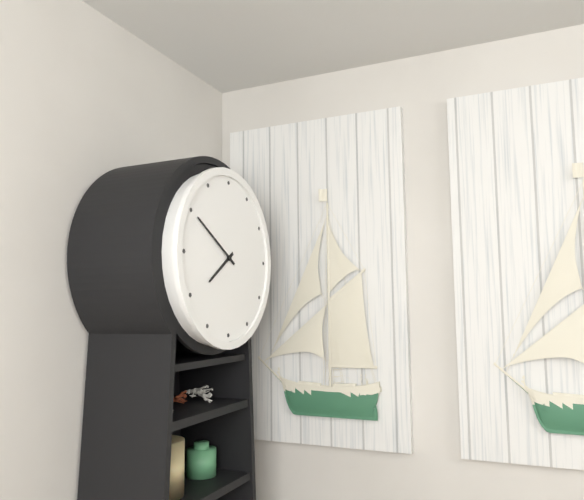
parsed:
**7:50**
